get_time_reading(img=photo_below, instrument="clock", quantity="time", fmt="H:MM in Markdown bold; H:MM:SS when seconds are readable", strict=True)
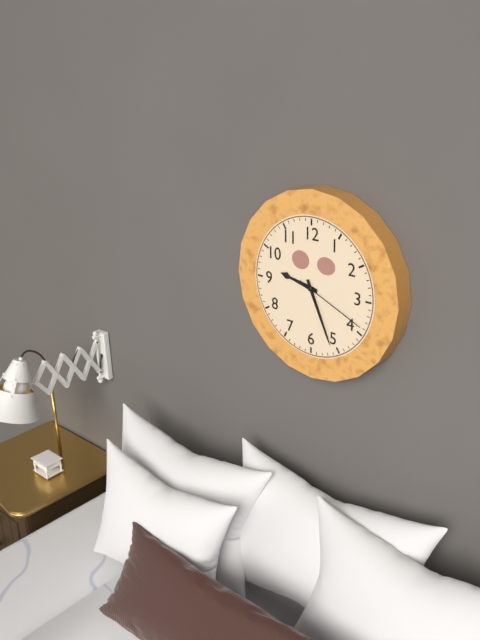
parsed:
**9:26:19**
